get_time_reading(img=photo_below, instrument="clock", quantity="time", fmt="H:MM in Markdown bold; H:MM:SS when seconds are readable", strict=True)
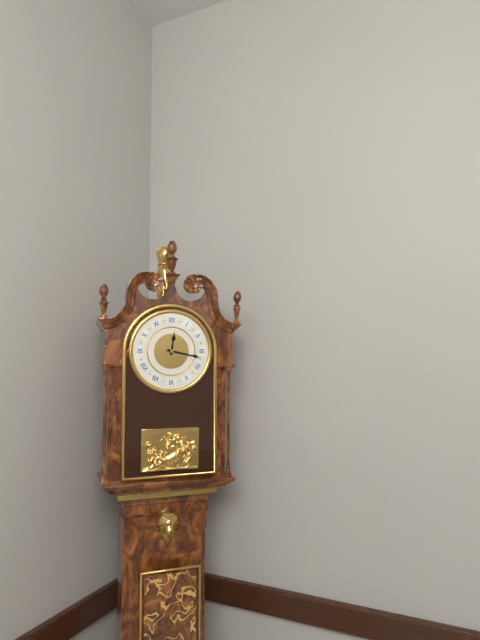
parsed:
**12:17**
